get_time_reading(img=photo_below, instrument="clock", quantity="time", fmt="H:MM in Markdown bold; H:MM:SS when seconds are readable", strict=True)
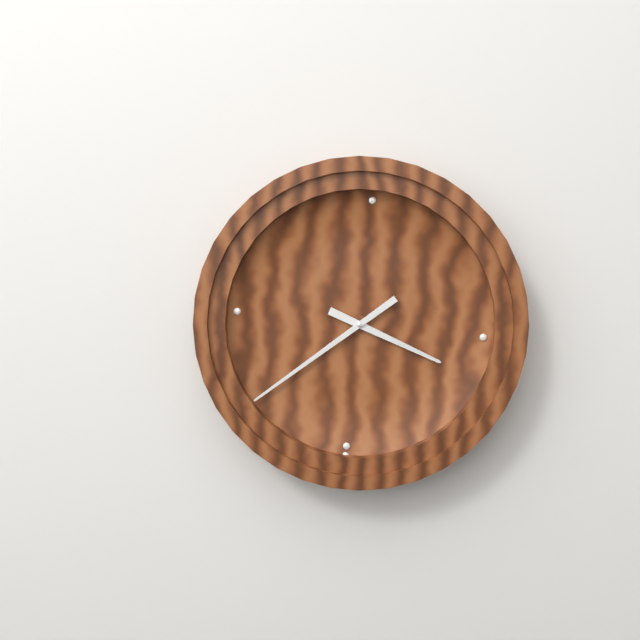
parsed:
**3:38**
